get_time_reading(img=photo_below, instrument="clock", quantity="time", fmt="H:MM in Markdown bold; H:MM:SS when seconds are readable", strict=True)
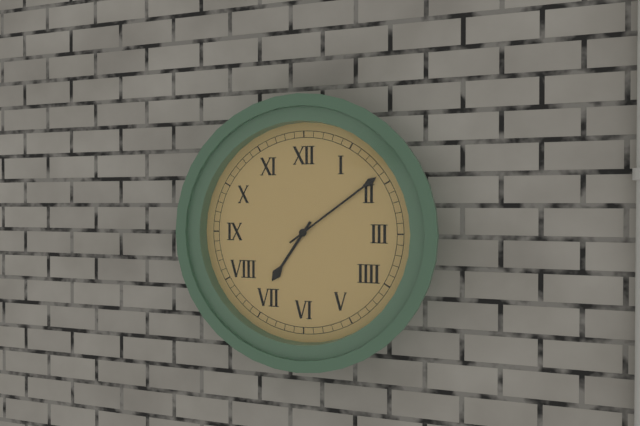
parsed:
**7:09**
